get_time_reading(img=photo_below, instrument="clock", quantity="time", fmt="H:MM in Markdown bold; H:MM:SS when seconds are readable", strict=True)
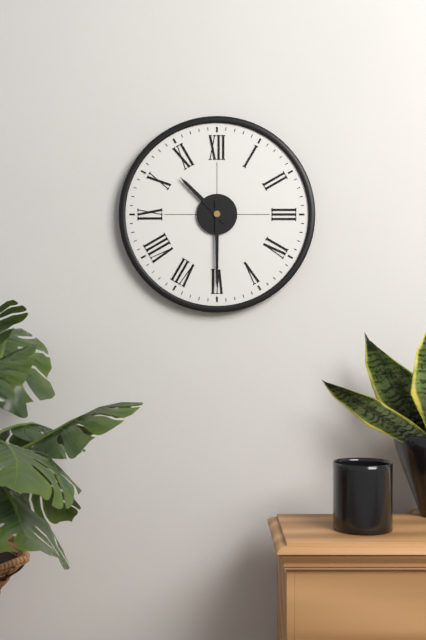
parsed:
**10:30**
